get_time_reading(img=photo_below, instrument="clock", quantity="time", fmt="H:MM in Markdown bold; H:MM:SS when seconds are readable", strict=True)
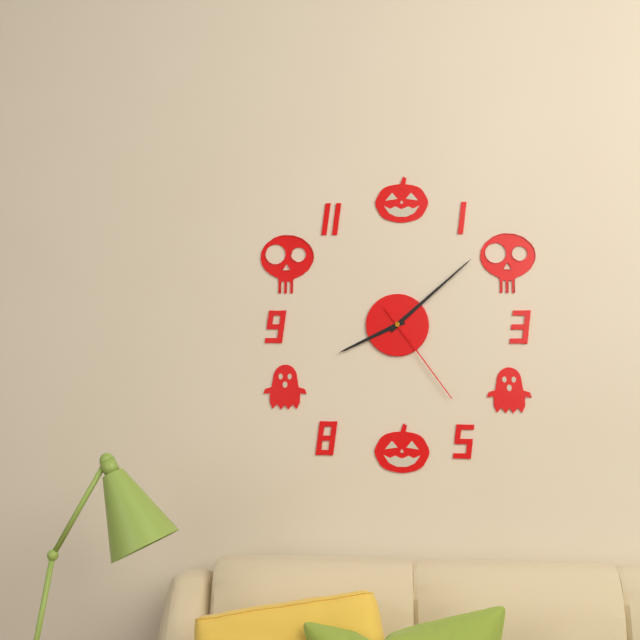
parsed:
**8:08:24**
